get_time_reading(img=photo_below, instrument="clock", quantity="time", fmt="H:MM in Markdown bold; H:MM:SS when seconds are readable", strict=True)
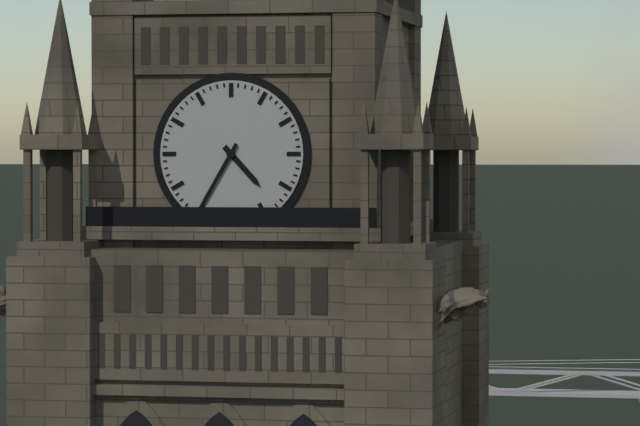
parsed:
**4:35**
